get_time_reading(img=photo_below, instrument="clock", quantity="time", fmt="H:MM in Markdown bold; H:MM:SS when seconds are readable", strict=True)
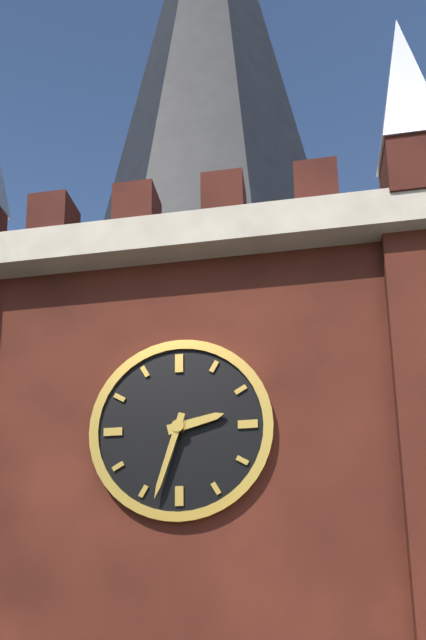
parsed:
**2:33**
